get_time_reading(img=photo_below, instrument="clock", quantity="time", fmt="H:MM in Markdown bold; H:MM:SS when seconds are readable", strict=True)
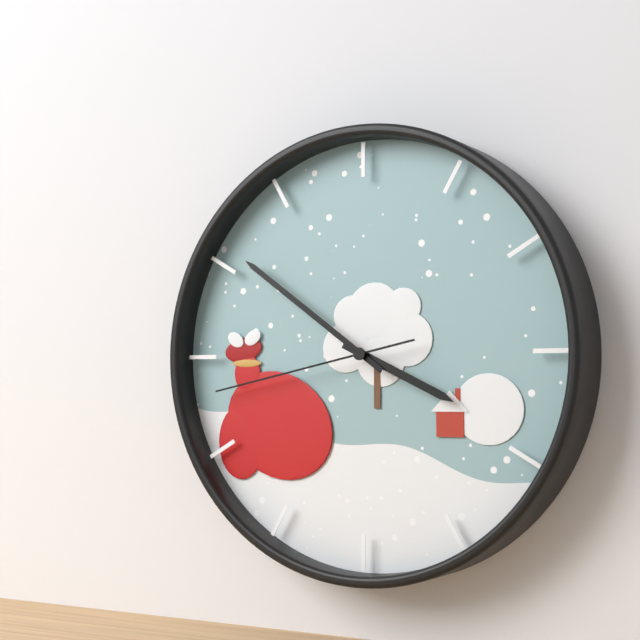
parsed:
**3:51:43**
